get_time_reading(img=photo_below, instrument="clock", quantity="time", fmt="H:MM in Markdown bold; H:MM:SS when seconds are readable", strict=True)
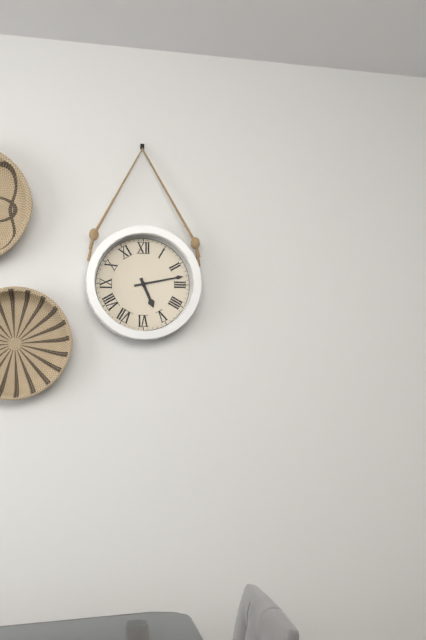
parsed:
**5:13**
